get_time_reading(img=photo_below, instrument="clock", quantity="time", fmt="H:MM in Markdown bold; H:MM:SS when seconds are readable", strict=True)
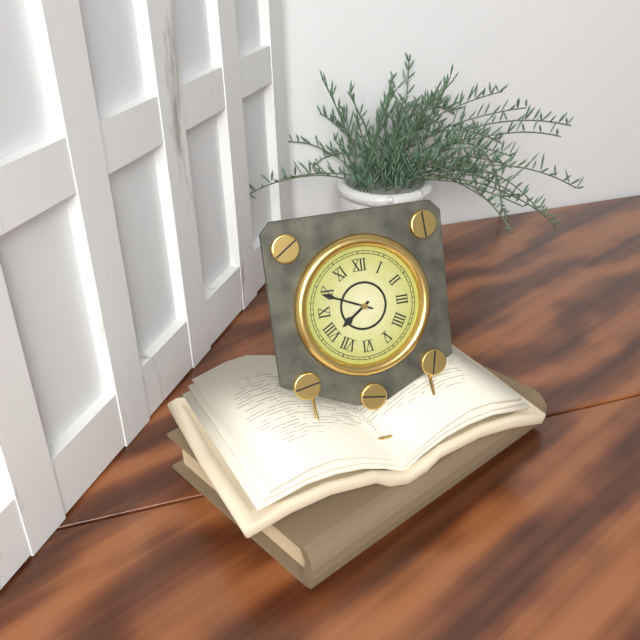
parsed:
**7:49**
